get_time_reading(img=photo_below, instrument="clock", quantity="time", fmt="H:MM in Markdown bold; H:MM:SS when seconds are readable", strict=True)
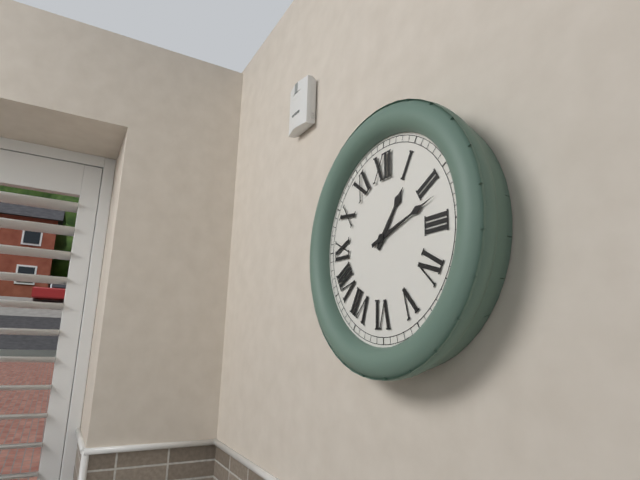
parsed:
**1:12**
